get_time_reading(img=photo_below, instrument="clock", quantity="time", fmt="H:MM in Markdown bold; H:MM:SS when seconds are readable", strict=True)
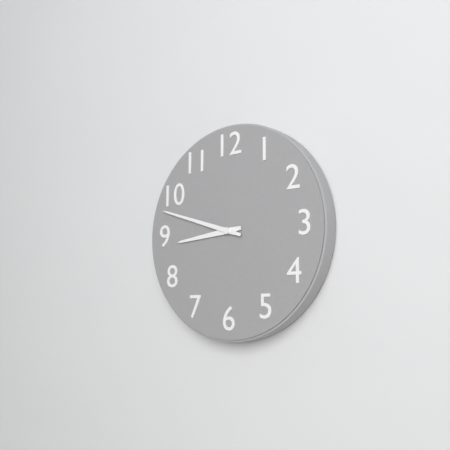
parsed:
**8:48**
